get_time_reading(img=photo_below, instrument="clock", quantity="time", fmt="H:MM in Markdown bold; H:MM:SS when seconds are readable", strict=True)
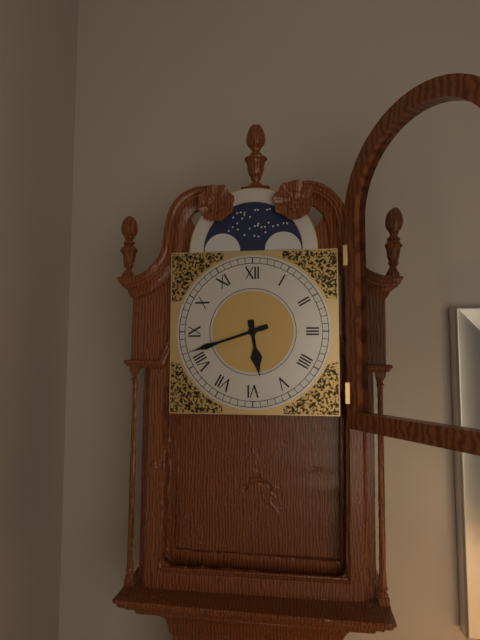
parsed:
**5:42**
